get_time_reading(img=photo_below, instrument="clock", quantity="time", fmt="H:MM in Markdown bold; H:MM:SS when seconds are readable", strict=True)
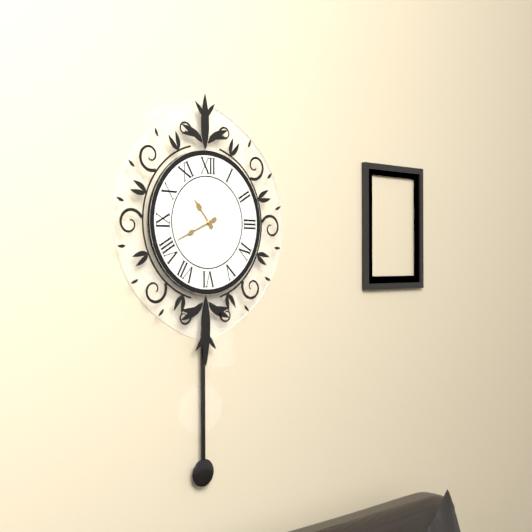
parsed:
**10:41**
